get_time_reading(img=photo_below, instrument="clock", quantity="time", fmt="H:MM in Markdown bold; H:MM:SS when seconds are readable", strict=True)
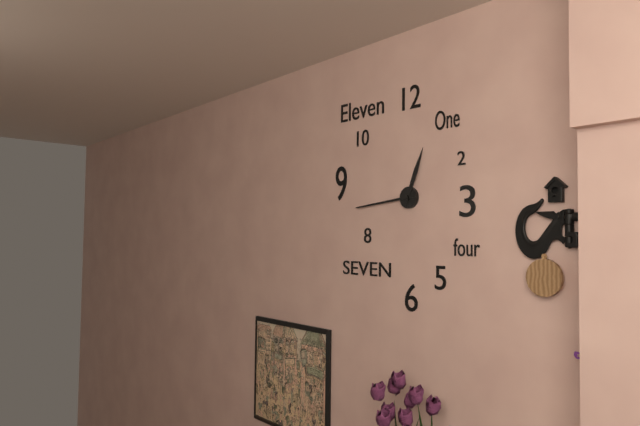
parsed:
**12:44**
